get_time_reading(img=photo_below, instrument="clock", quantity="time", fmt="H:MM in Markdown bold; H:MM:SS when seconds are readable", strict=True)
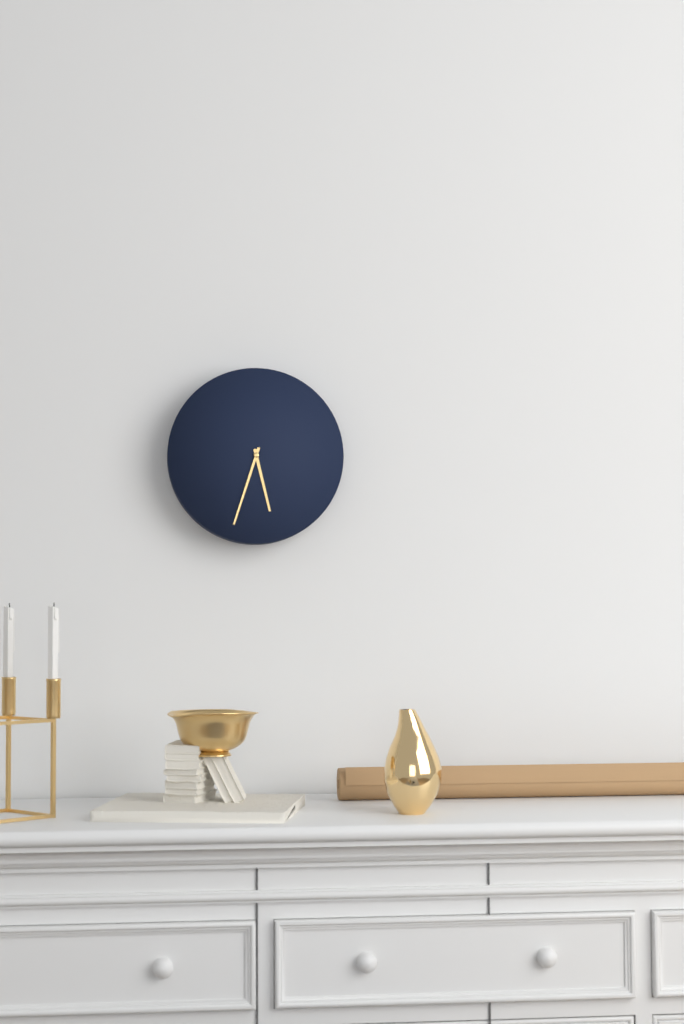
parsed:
**5:33**
